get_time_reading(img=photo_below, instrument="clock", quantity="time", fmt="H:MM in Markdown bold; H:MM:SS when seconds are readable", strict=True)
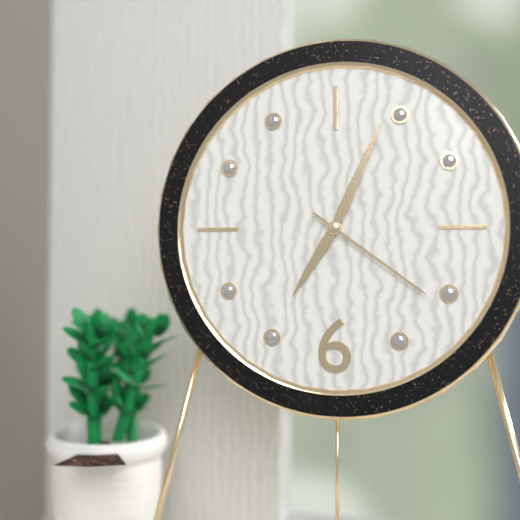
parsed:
**7:04:21**
